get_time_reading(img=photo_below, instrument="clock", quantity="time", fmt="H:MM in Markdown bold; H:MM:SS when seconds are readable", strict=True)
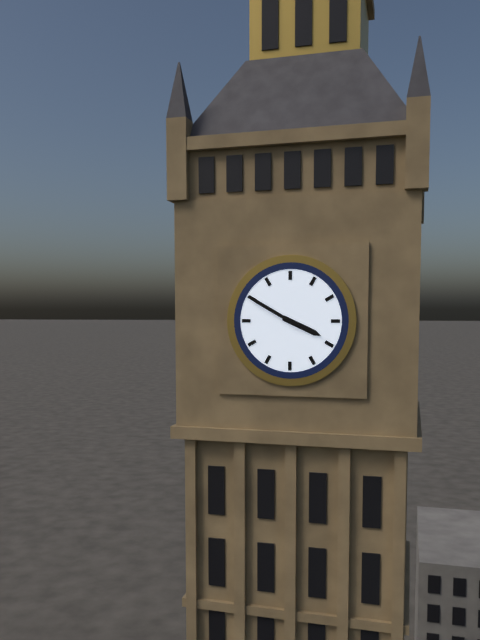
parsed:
**3:50**
